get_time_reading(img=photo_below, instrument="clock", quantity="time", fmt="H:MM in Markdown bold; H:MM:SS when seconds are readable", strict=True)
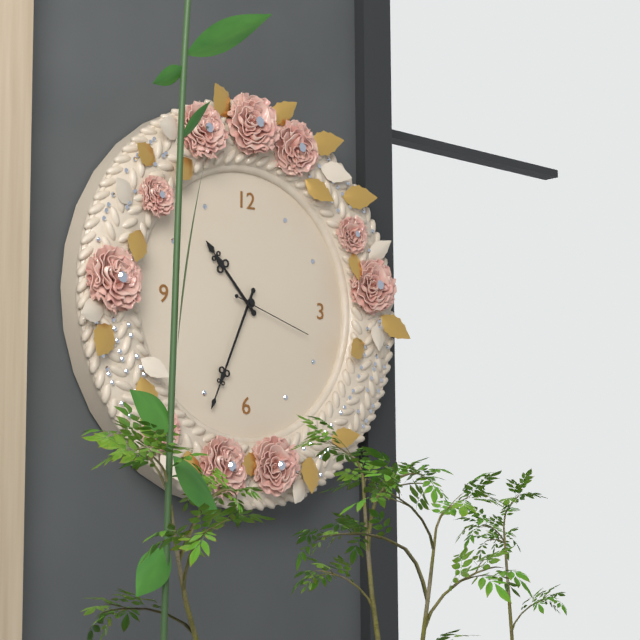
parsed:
**10:34:18**
